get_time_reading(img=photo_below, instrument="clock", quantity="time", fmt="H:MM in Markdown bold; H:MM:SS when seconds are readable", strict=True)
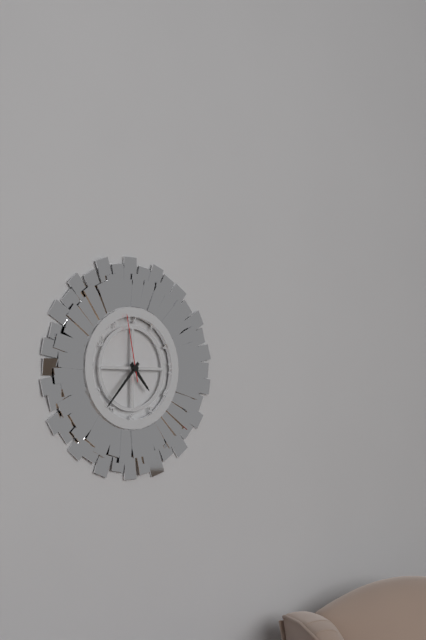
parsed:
**4:37:58**
